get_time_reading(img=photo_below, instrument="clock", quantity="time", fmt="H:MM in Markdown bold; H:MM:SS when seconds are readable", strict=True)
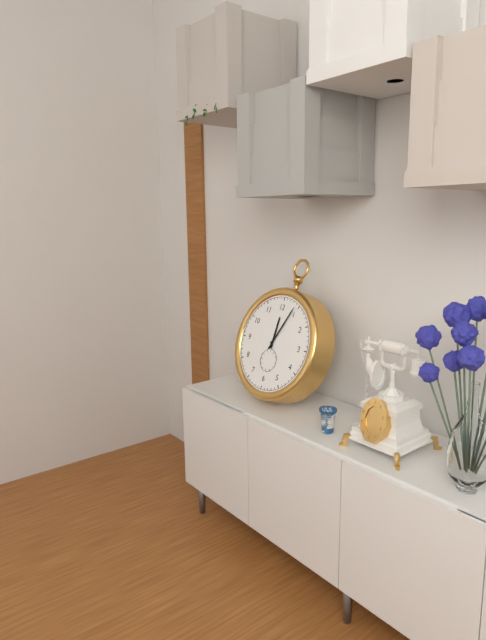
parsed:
**12:04**
